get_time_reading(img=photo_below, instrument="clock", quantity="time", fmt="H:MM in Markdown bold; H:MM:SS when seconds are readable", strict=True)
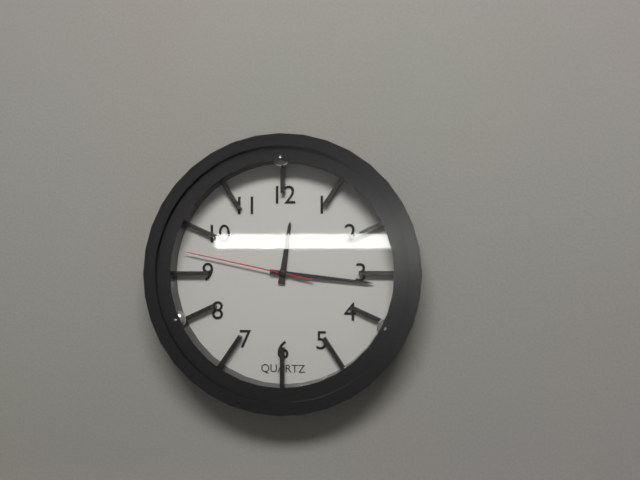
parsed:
**12:16:47**
